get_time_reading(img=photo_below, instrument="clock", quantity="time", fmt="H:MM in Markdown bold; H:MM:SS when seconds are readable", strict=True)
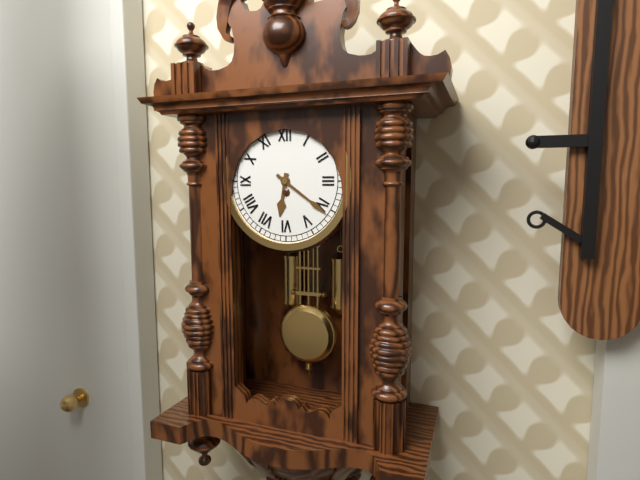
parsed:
**6:21**
